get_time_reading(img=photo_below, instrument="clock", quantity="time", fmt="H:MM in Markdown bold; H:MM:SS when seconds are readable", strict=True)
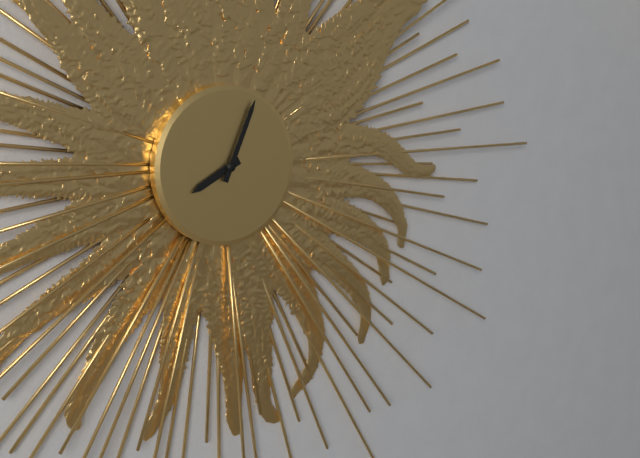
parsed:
**8:04**
